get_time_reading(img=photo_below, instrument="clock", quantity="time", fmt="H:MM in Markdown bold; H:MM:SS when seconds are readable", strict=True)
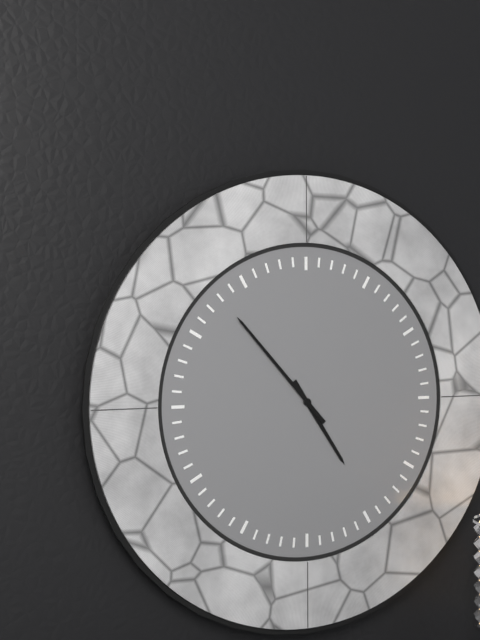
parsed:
**4:53**
